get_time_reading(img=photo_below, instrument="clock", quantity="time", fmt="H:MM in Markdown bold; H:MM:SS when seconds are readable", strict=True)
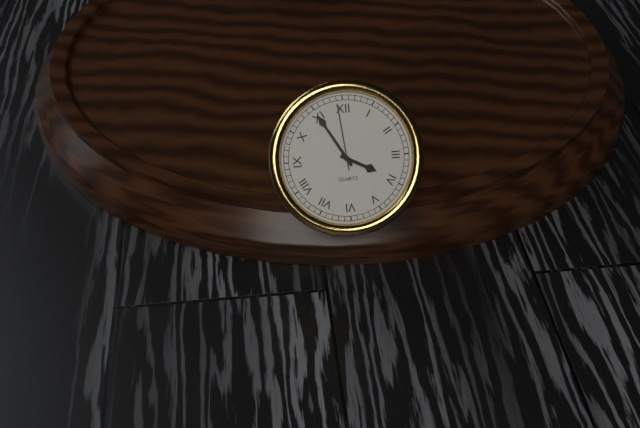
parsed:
**3:55:59**
